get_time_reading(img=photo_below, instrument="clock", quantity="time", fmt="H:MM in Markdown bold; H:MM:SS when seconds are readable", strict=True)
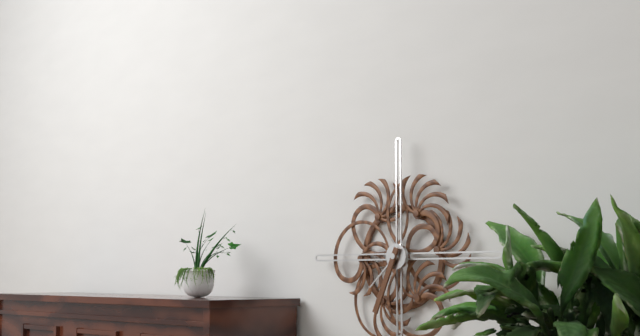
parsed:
**7:34**
